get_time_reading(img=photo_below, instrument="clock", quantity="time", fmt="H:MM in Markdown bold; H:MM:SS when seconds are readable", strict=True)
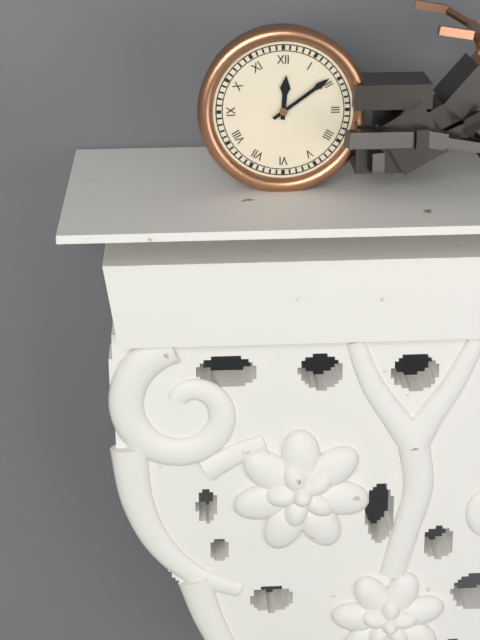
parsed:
**12:09**
